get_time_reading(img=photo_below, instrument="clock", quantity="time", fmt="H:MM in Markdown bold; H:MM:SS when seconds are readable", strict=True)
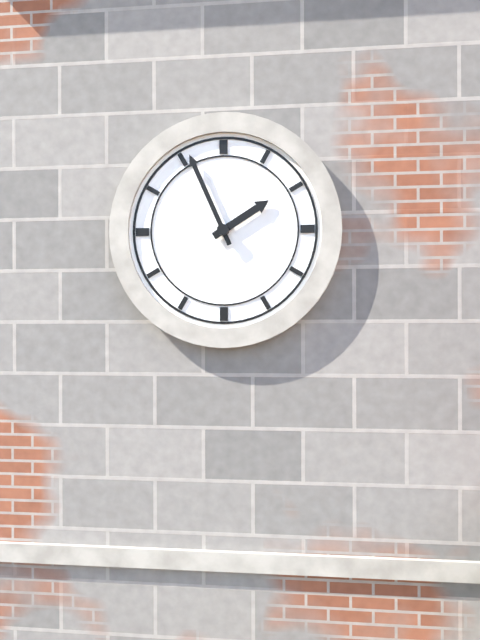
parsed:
**1:56**
